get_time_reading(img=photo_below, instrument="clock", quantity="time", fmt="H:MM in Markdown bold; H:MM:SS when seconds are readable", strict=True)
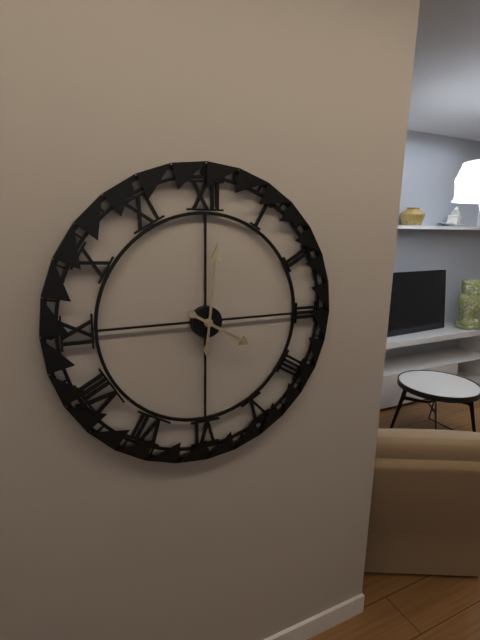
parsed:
**4:01**
